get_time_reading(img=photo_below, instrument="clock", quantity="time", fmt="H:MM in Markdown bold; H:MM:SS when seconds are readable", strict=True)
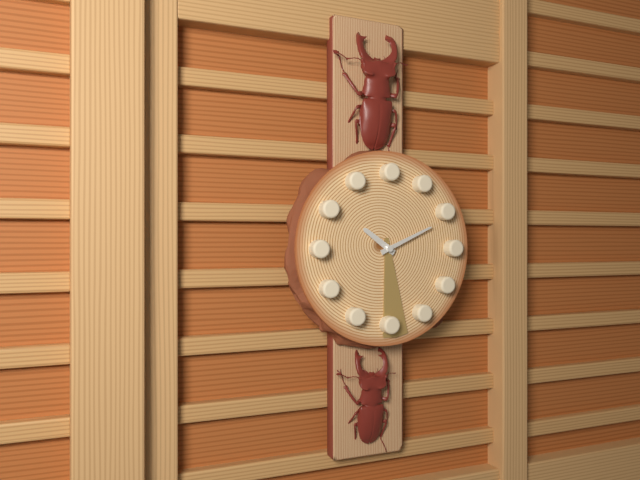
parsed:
**10:11:29**
